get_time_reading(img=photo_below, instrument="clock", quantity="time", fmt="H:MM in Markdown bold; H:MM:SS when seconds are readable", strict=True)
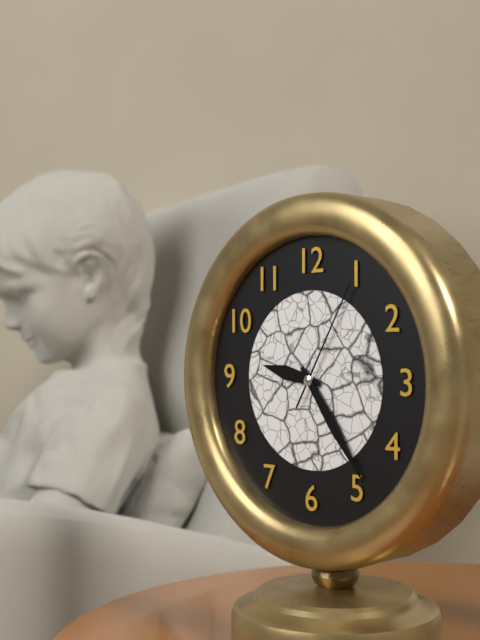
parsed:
**9:24:05**
